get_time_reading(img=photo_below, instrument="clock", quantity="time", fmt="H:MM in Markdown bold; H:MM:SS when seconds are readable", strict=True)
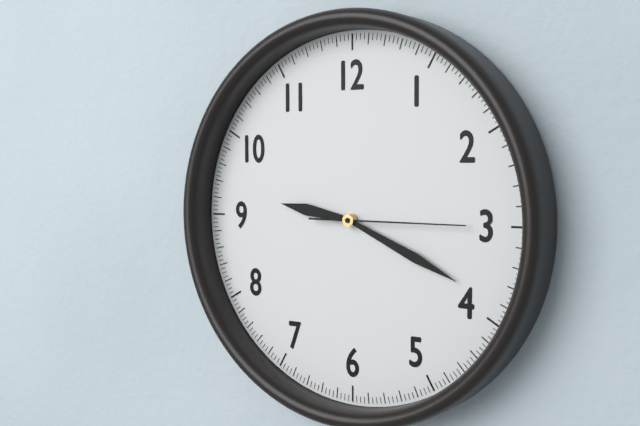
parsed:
**9:19:15**
